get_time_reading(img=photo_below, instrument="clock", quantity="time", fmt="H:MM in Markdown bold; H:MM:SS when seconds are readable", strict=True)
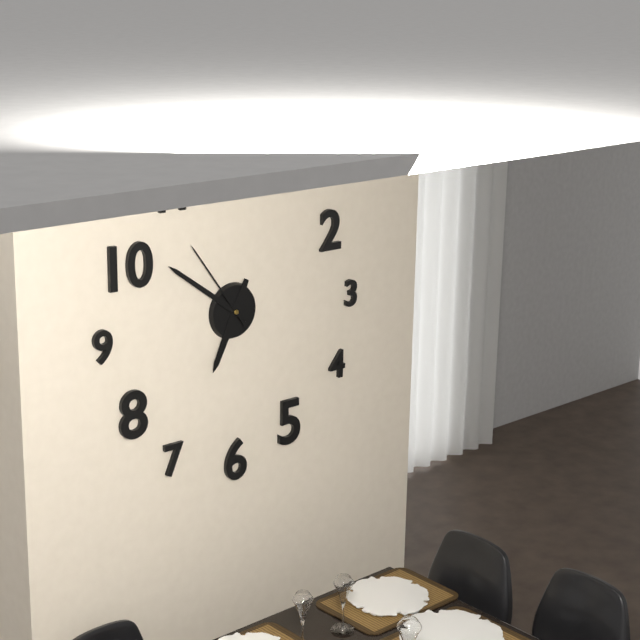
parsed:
**6:51:54**
